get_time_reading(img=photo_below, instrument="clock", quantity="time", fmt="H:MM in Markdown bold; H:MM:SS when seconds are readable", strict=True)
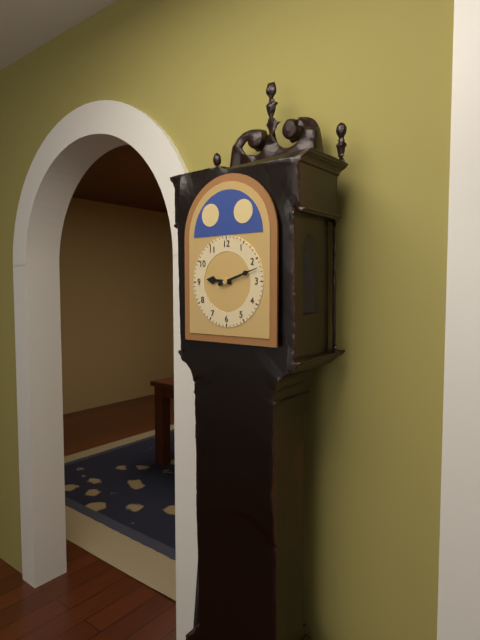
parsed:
**9:12**
